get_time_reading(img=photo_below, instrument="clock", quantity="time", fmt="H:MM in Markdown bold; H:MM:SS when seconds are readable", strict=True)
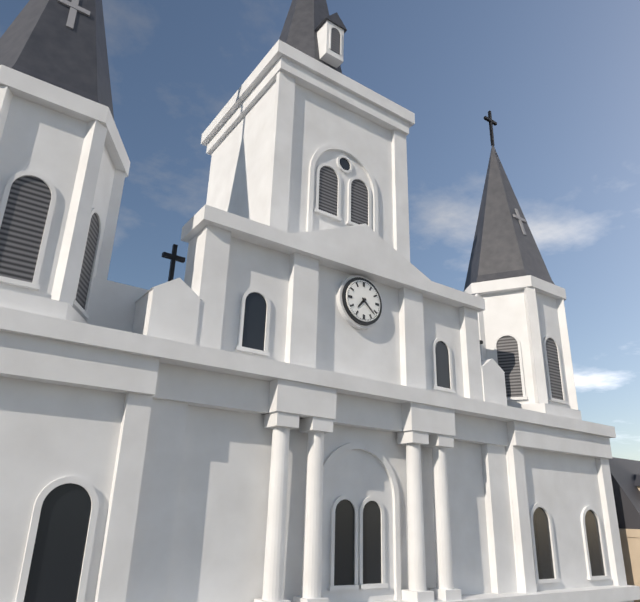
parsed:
**7:22**
